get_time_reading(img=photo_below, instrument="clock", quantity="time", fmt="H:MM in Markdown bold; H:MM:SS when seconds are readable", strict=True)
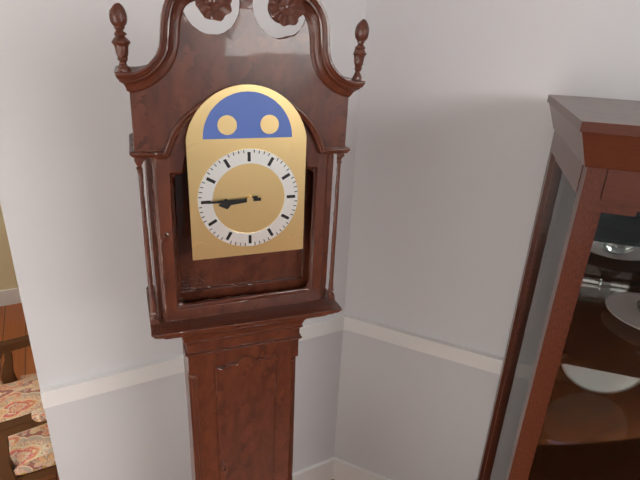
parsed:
**8:45**
